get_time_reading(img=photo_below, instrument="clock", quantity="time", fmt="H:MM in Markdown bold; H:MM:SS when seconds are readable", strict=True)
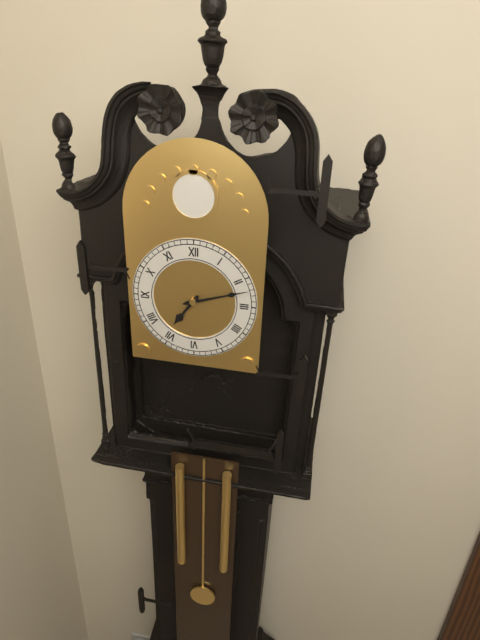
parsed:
**7:12**
